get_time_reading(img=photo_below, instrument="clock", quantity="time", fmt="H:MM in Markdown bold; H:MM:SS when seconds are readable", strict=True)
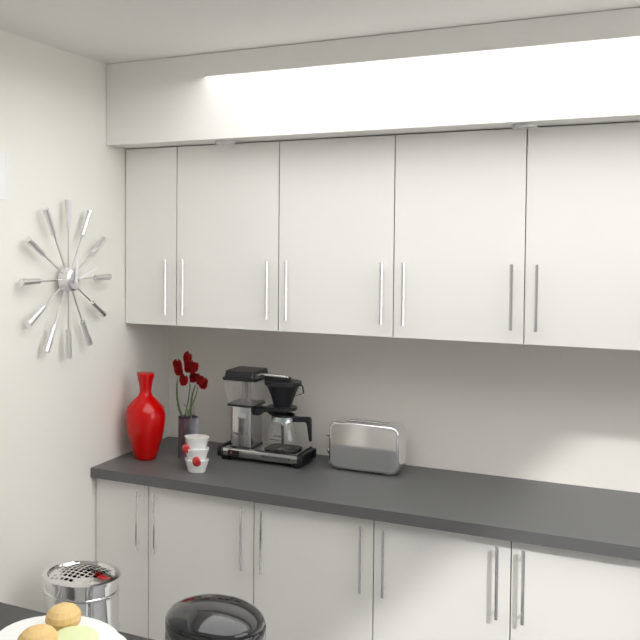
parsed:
**12:12**
